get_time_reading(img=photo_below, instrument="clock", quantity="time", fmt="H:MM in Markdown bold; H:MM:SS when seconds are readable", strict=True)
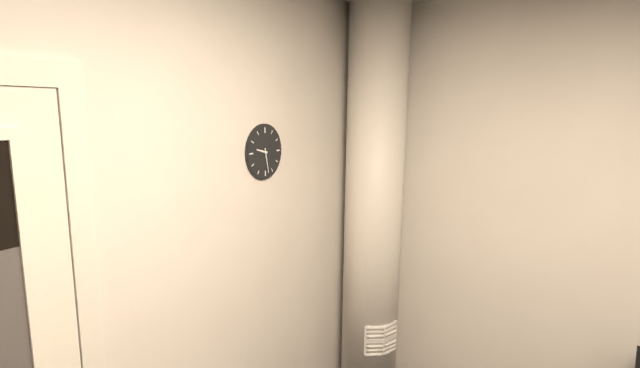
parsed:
**9:28**
